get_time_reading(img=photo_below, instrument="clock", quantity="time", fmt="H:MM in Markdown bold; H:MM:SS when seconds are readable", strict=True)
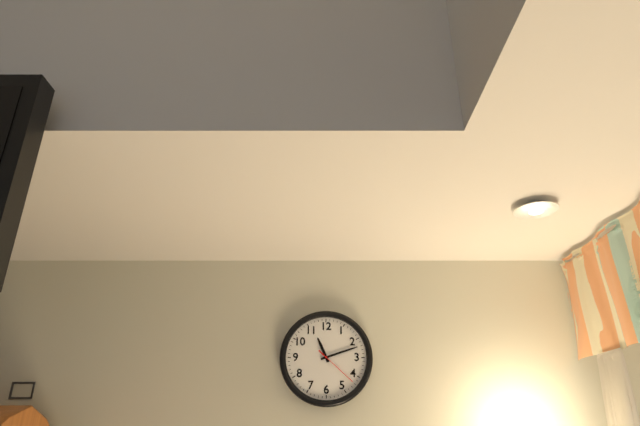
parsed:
**11:12**
